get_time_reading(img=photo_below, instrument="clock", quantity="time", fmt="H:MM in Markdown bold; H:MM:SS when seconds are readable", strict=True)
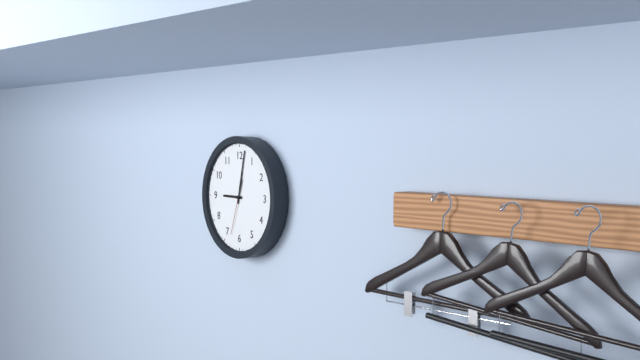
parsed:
**9:02:33**
